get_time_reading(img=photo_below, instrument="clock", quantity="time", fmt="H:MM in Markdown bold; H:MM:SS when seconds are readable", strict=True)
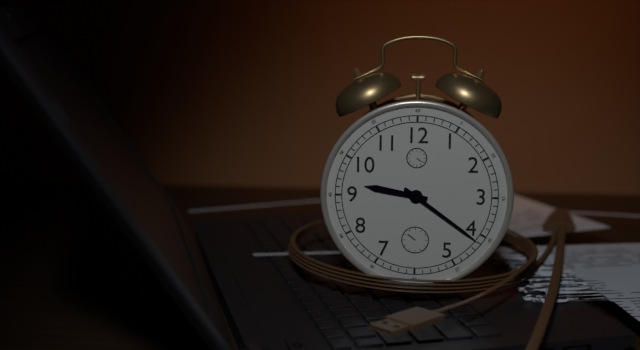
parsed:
**9:21**
